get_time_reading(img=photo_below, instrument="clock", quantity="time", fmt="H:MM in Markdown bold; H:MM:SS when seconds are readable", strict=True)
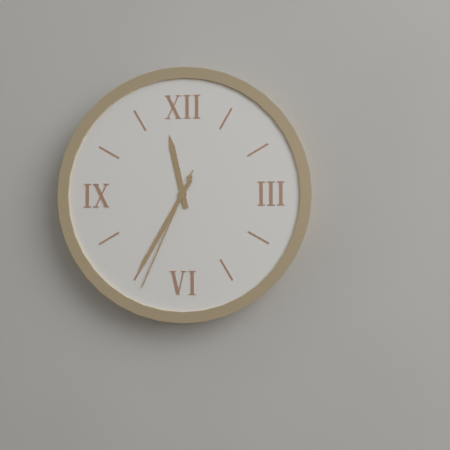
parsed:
**11:35:34**
